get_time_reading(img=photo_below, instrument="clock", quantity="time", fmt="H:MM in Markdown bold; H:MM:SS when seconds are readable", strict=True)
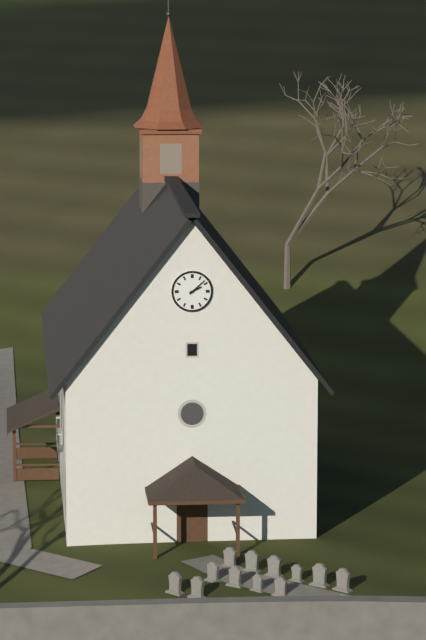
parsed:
**2:08**
